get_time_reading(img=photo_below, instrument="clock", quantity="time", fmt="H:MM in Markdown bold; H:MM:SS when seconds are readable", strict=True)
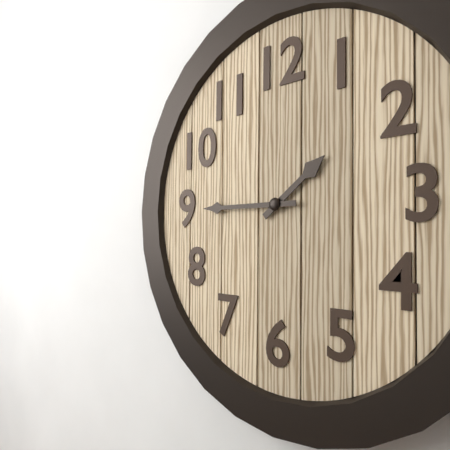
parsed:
**1:45**
